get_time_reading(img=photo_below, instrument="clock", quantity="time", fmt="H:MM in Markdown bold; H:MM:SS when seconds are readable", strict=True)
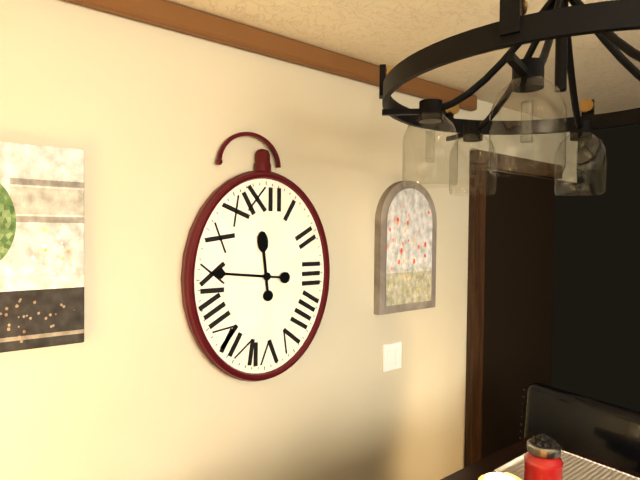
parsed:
**11:46**
